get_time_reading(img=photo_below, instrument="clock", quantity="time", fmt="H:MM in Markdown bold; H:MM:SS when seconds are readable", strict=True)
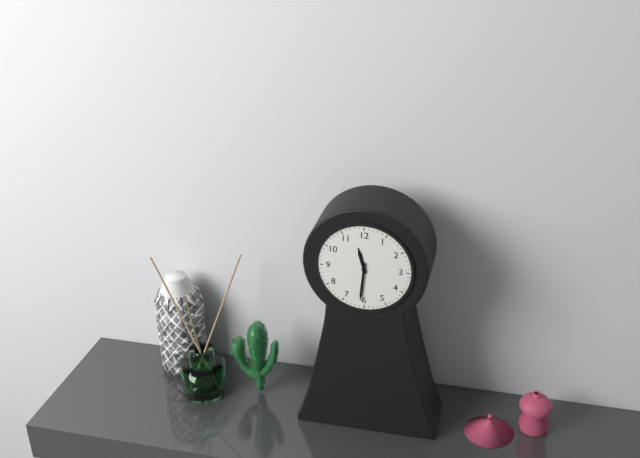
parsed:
**11:31**
